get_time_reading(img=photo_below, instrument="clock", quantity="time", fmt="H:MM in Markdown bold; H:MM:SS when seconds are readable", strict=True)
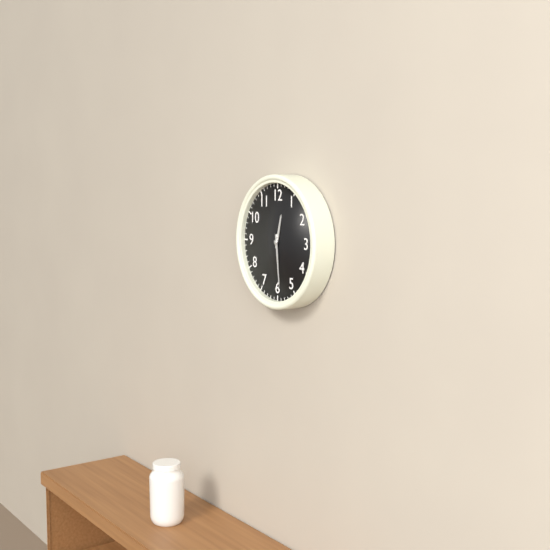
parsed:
**12:29**
